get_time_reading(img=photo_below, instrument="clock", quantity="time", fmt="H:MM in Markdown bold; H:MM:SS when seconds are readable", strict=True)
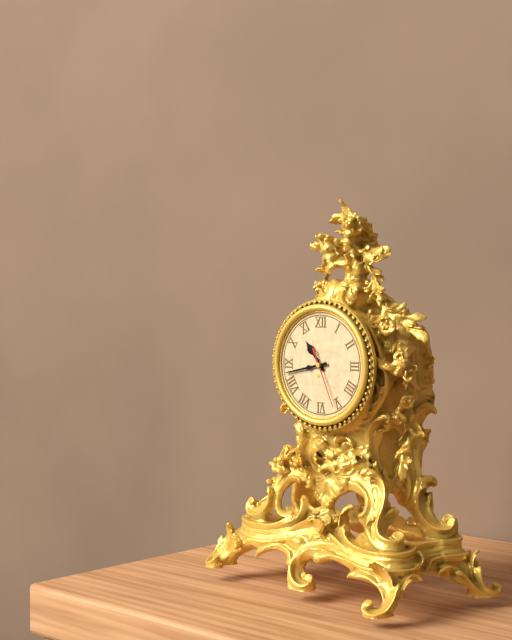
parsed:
**10:43:26**
